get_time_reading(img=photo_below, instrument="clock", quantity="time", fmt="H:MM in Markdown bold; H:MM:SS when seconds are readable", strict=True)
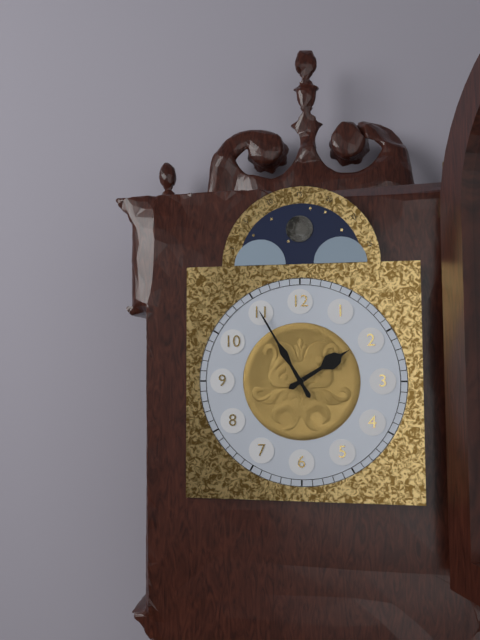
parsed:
**1:55**
